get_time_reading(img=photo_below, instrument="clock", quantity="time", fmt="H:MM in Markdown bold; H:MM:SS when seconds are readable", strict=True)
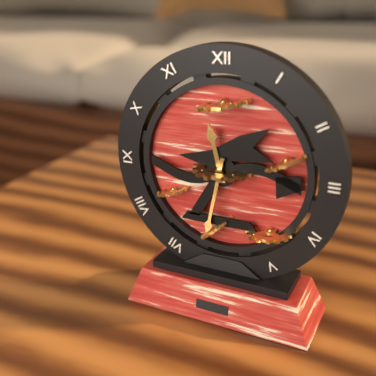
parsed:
**11:32**
